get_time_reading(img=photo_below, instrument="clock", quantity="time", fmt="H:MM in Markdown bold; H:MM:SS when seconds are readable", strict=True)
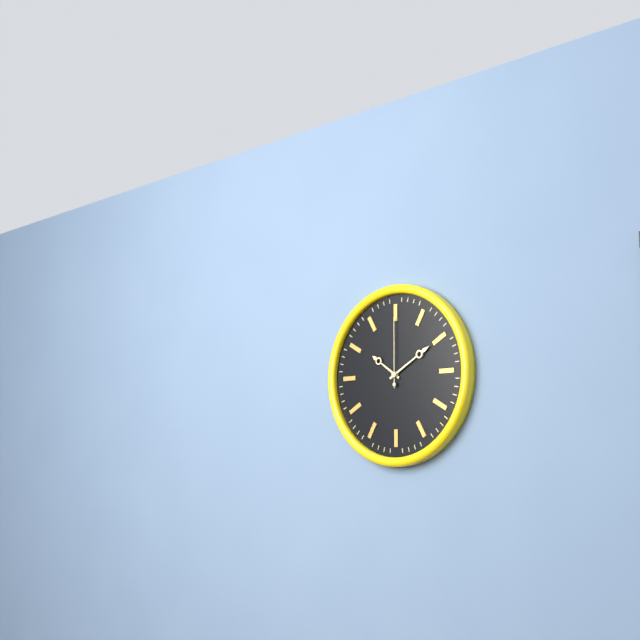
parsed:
**10:10:00**
